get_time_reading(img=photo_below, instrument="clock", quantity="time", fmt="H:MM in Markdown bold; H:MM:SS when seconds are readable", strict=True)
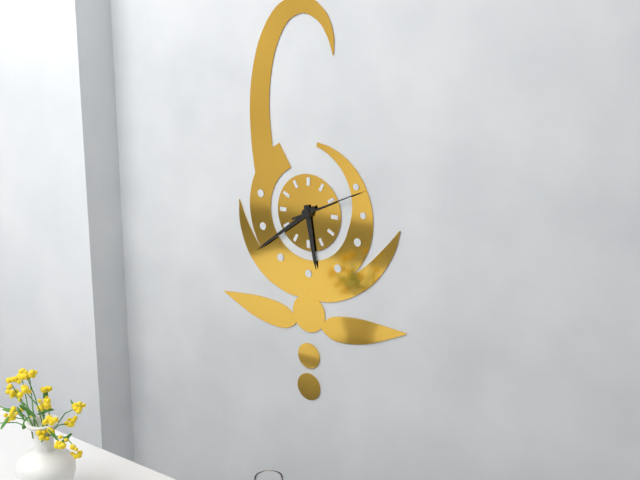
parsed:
**5:39:11**
